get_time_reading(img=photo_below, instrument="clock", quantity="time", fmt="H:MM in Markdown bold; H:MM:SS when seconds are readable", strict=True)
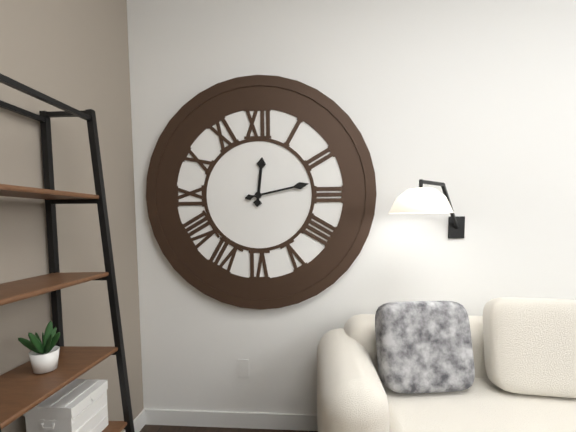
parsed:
**12:13**
